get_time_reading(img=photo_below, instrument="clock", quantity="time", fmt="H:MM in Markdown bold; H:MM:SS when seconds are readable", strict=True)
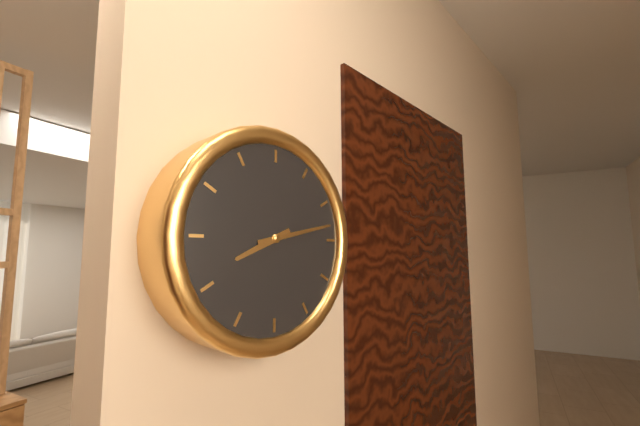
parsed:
**8:13**
